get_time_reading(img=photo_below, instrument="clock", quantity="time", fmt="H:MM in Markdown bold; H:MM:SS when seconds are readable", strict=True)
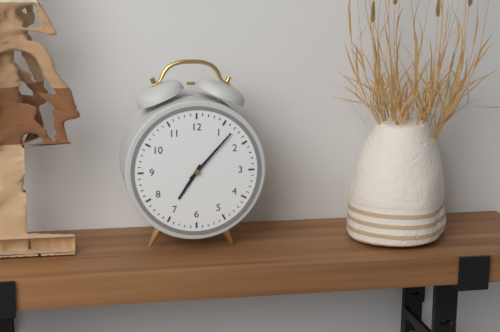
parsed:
**7:07**
